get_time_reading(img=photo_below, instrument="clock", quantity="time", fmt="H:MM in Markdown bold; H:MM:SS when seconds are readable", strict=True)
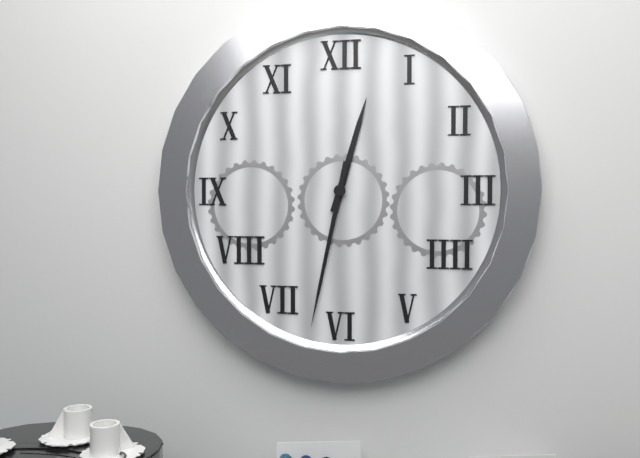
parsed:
**12:32**
